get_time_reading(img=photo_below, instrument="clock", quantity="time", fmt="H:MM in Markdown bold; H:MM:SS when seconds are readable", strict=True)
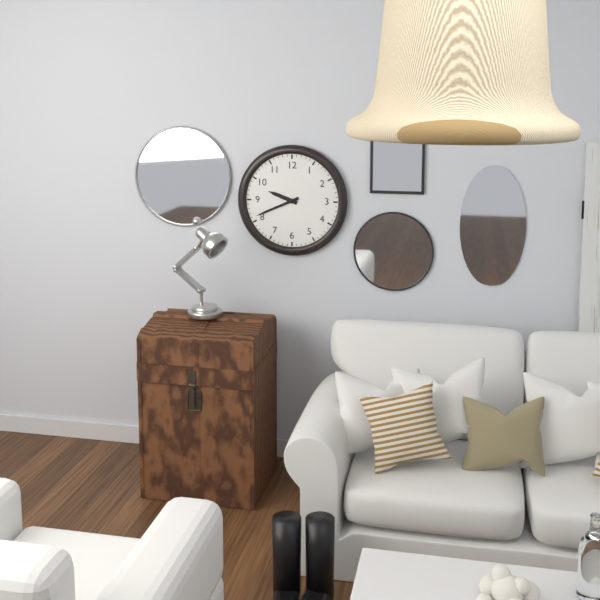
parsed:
**9:41**
